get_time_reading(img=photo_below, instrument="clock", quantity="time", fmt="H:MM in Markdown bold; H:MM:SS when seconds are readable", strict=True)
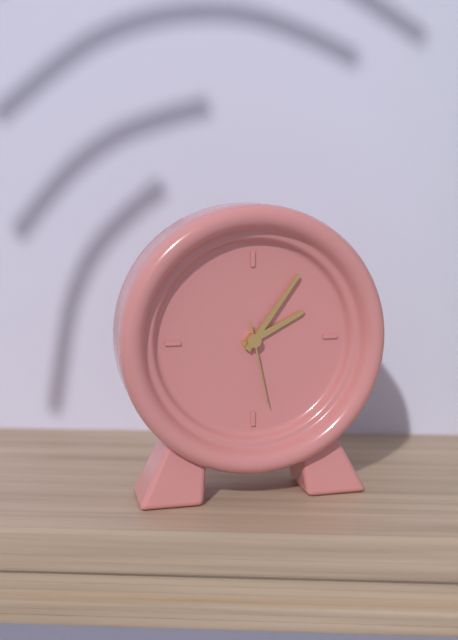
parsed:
**2:06:28**
